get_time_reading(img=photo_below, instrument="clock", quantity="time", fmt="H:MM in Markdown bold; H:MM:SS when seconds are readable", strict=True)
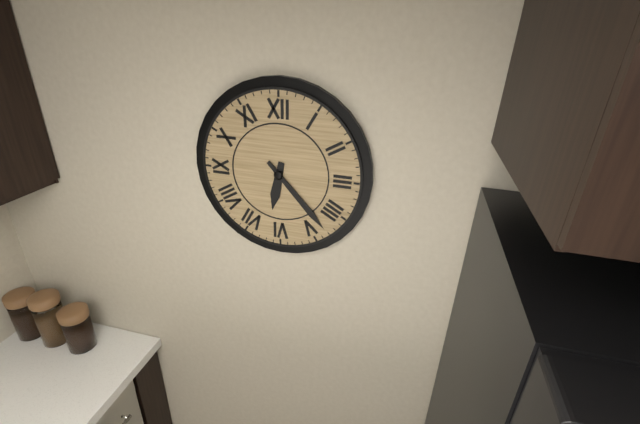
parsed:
**6:23**
